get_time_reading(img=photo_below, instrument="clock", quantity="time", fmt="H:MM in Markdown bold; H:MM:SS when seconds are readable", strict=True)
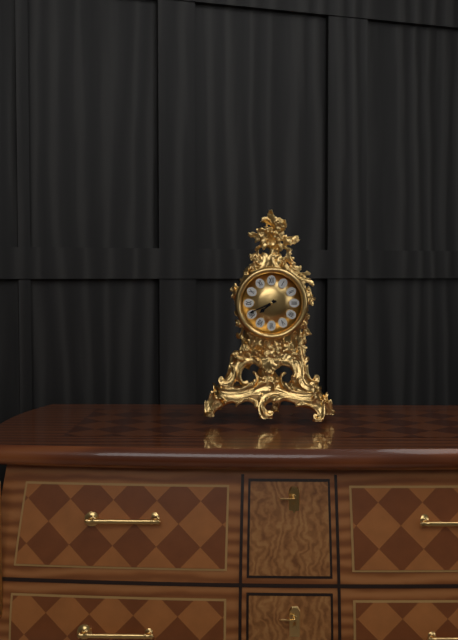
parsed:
**7:41**
